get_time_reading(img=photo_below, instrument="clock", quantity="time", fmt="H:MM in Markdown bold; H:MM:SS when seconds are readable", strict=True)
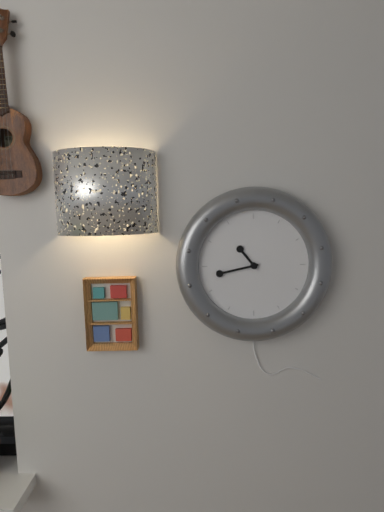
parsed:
**10:43**
